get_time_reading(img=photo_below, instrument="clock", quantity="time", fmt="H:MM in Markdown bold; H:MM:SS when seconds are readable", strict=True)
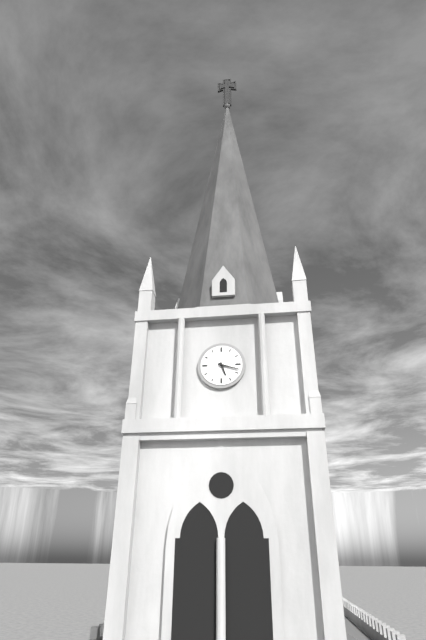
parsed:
**5:18**
